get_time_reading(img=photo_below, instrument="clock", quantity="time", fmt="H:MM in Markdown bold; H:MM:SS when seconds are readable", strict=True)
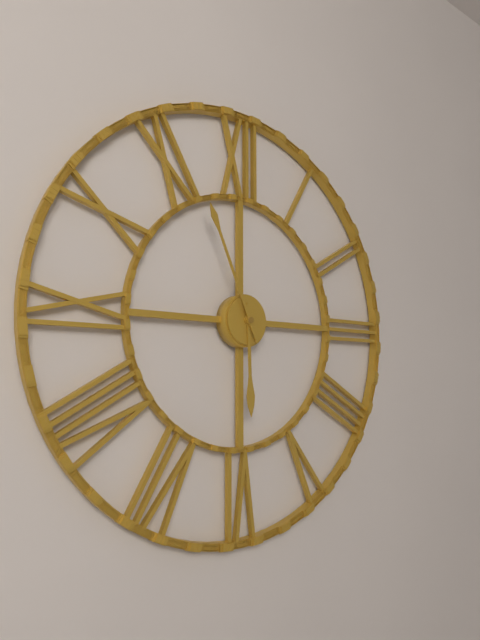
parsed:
**5:56**
